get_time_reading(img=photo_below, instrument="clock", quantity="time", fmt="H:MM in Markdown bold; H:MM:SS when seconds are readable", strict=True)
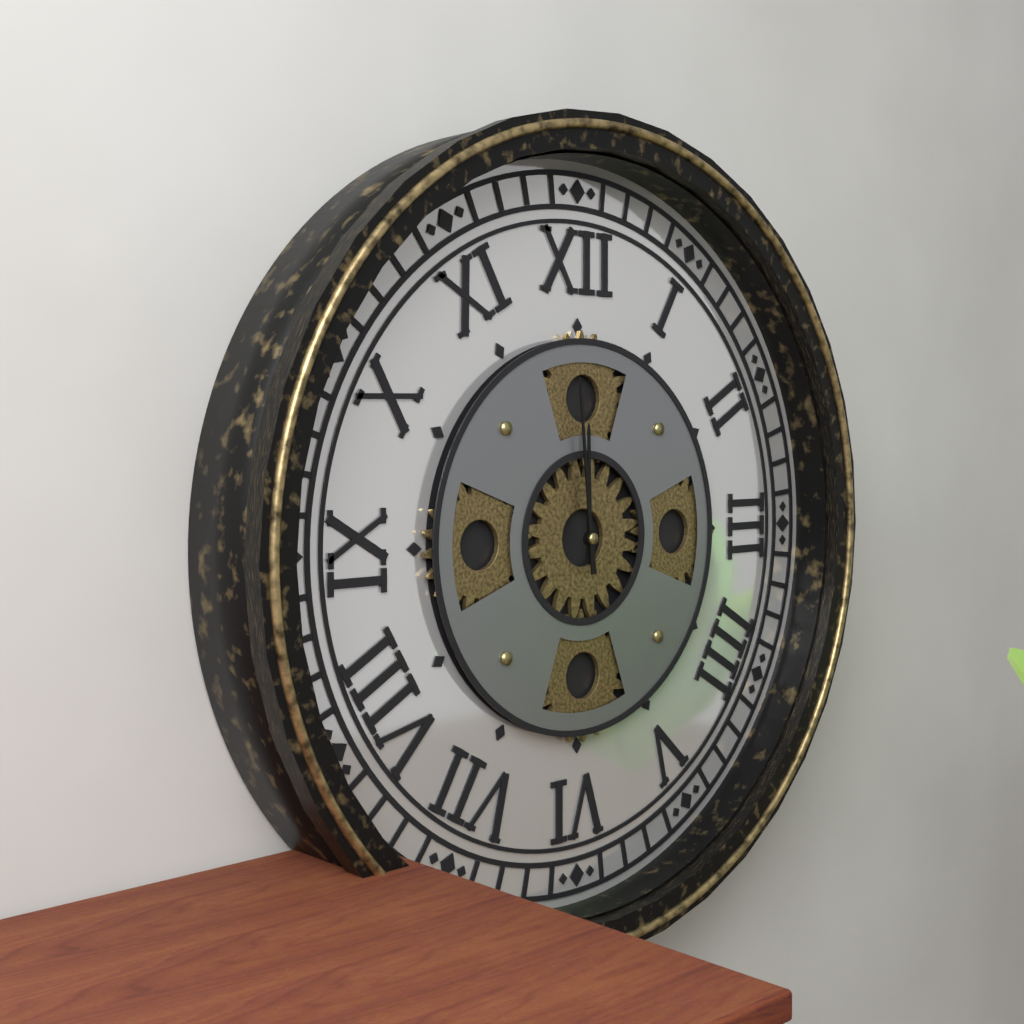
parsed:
**11:59**
